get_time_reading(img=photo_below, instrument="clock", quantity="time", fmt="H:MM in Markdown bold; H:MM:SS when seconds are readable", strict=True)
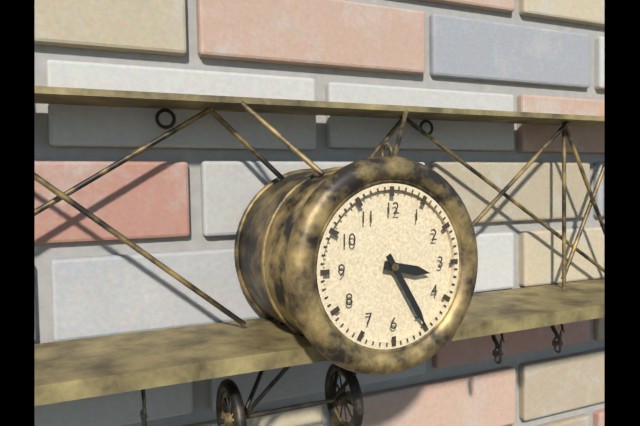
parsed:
**3:25**
